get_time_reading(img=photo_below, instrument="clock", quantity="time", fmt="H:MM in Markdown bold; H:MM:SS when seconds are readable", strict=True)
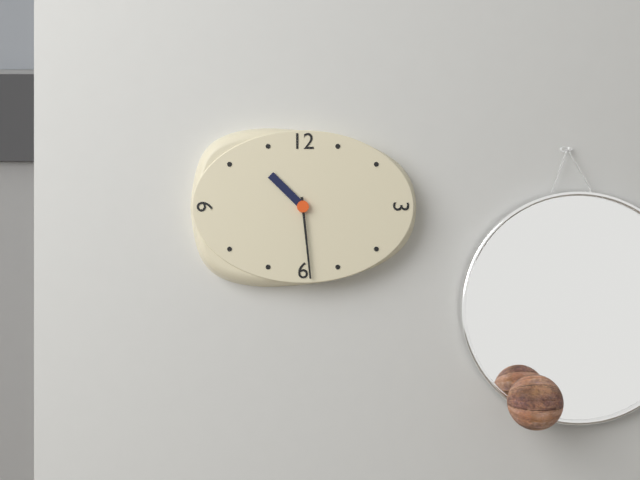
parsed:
**10:29**
